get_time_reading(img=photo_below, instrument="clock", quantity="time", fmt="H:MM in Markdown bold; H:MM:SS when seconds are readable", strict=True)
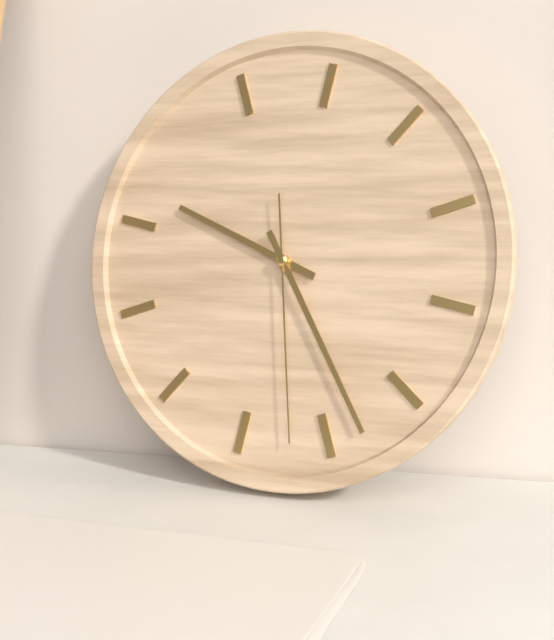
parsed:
**9:23:27**
